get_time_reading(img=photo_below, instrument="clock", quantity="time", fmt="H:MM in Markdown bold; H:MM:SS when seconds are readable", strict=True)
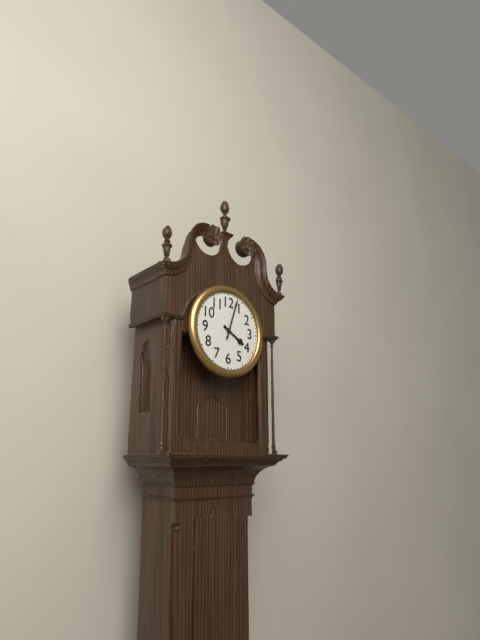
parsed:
**4:03**
